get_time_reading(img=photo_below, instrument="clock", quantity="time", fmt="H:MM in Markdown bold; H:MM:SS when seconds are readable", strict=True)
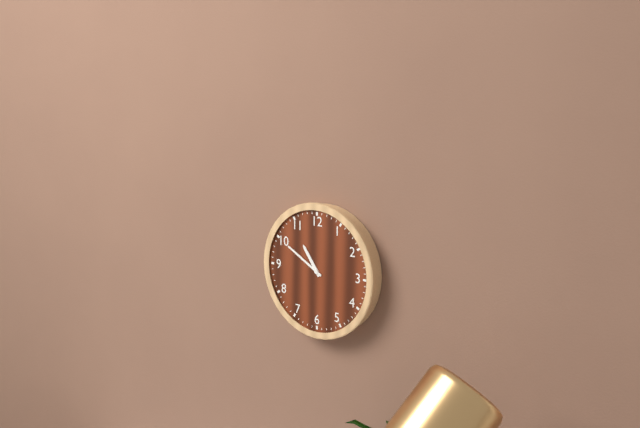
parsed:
**10:50**
